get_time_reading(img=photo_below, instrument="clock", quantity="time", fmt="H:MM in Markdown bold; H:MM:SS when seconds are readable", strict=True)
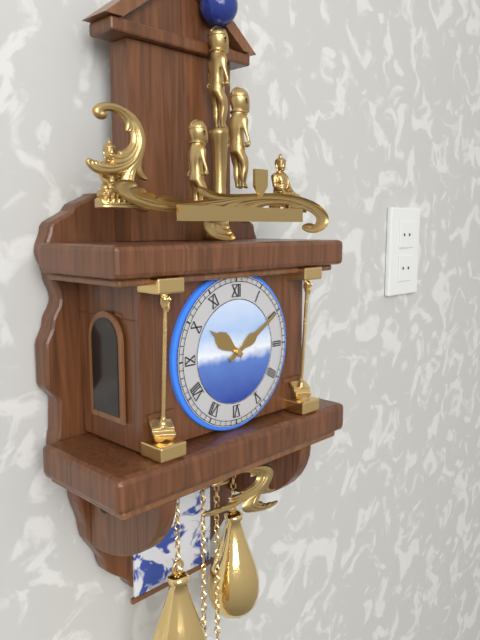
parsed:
**10:10**
